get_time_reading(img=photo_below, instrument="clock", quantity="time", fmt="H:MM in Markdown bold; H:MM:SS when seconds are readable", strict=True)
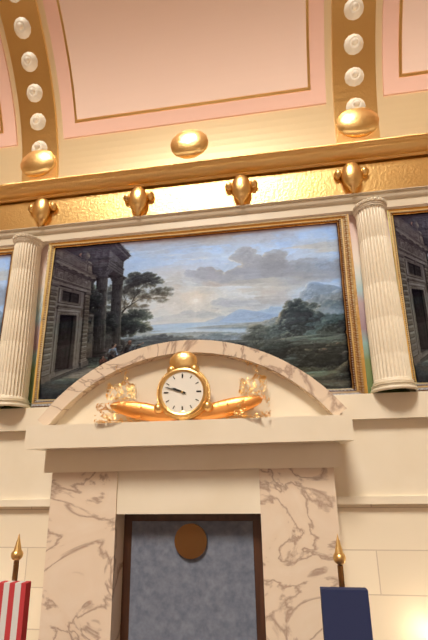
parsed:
**9:48**
